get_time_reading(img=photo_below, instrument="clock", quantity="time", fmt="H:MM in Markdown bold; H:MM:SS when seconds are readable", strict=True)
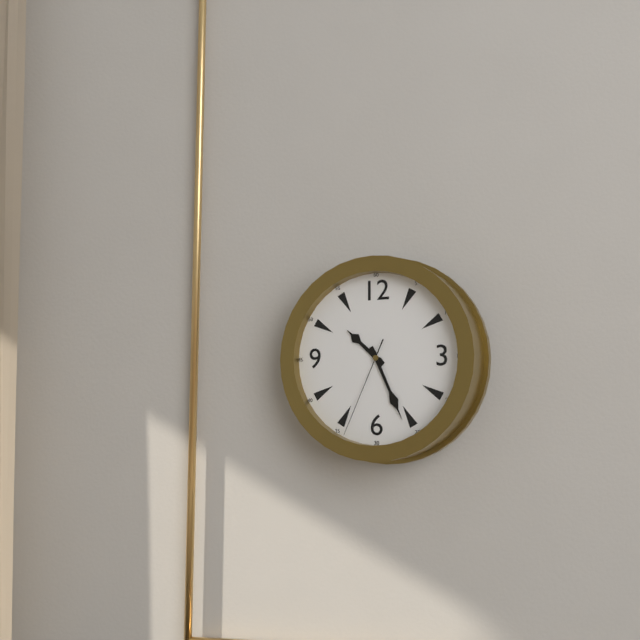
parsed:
**10:26:34**
